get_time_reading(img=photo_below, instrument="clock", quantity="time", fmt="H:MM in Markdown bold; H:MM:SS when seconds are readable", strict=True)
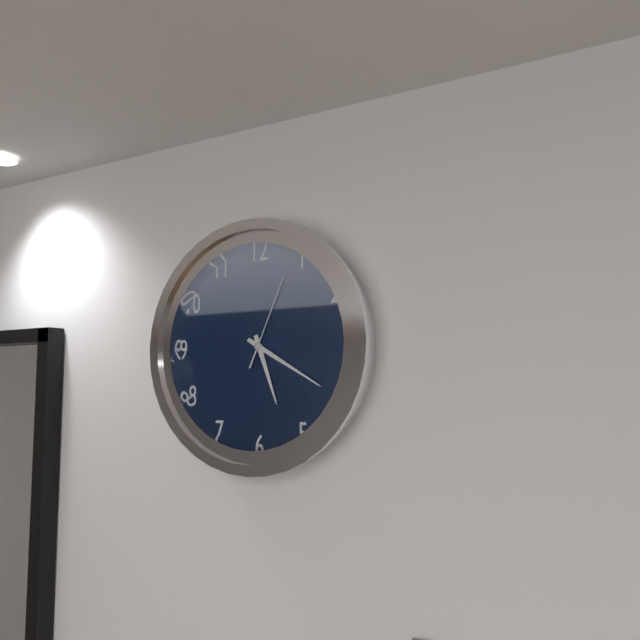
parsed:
**5:20:04**
